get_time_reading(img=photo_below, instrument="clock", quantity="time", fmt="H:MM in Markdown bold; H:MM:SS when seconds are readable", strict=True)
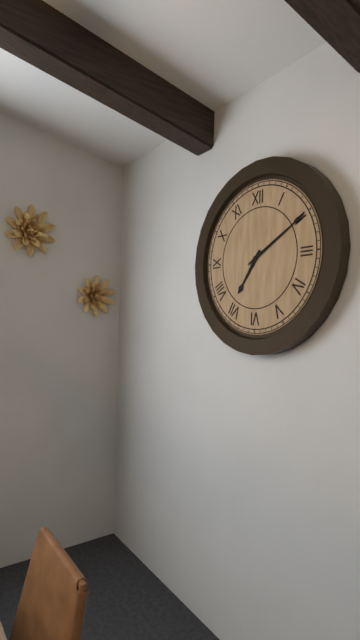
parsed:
**7:10**
